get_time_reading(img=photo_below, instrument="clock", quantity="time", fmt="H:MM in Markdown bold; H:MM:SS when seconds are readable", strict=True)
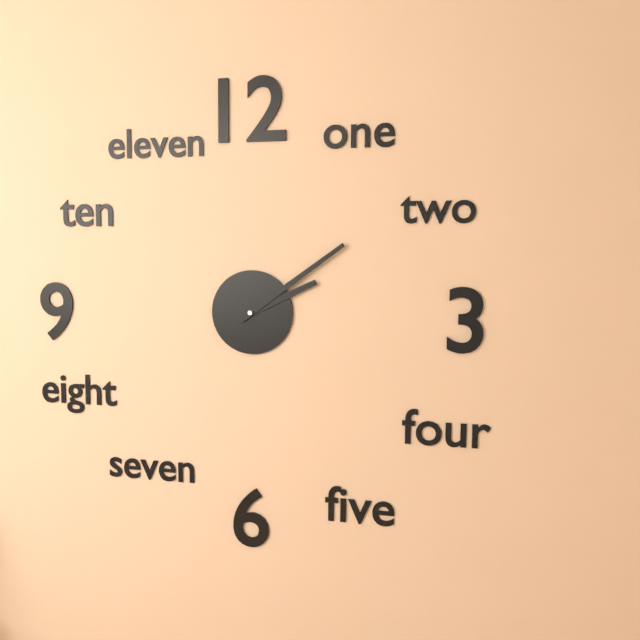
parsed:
**2:09**
